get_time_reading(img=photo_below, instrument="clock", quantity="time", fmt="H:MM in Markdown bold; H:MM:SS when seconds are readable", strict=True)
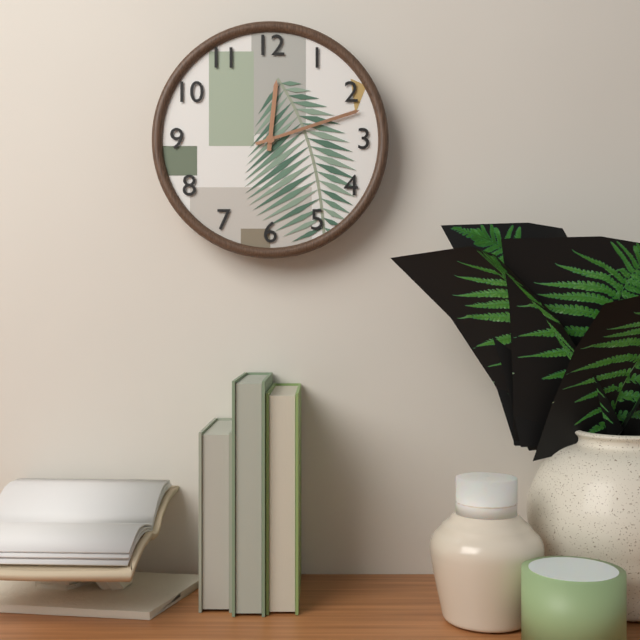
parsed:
**12:12**
